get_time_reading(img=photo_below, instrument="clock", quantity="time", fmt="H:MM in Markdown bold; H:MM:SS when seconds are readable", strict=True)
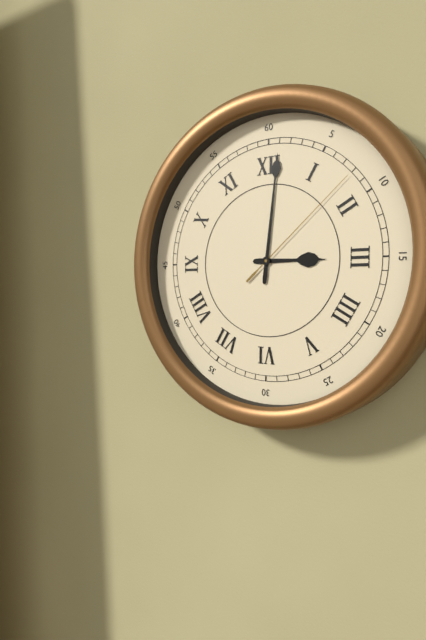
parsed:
**3:01:08**
